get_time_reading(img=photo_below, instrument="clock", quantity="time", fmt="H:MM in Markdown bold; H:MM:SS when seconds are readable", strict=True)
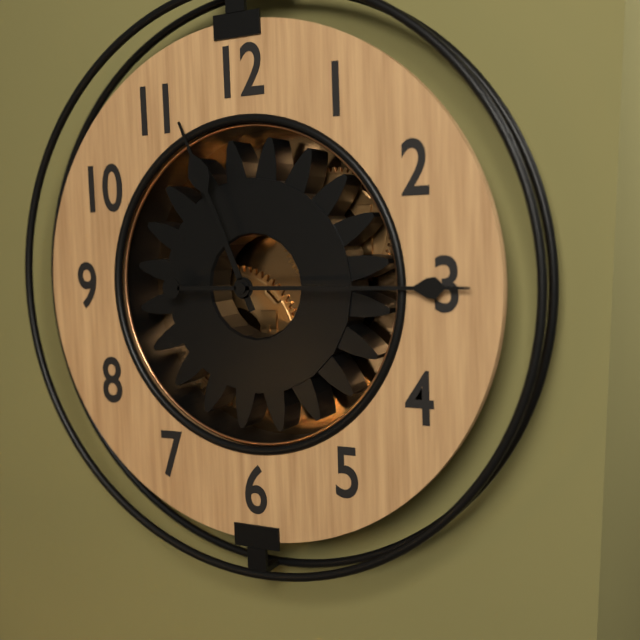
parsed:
**11:15**
